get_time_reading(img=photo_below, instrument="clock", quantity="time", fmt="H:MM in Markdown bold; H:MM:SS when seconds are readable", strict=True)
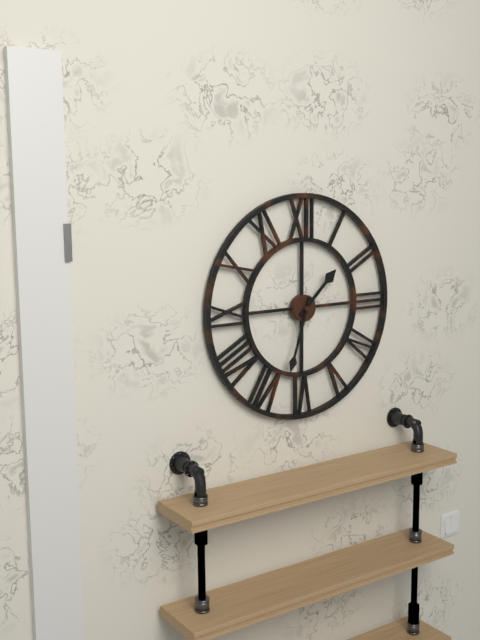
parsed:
**1:33**
